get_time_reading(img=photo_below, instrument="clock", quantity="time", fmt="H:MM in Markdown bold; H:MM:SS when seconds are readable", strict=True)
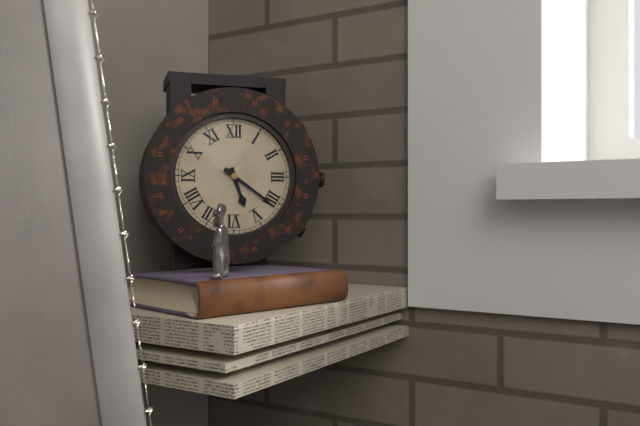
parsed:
**5:21**
